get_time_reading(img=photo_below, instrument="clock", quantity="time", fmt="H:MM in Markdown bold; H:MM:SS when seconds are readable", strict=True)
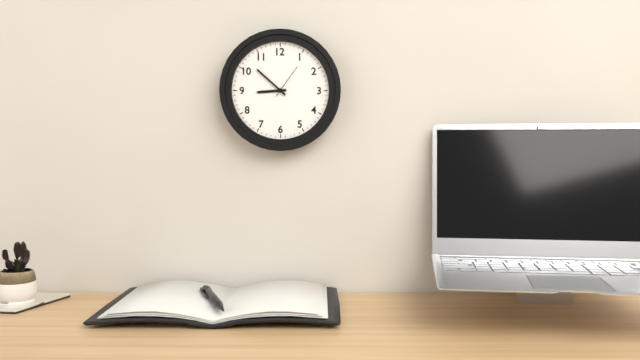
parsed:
**8:52**
